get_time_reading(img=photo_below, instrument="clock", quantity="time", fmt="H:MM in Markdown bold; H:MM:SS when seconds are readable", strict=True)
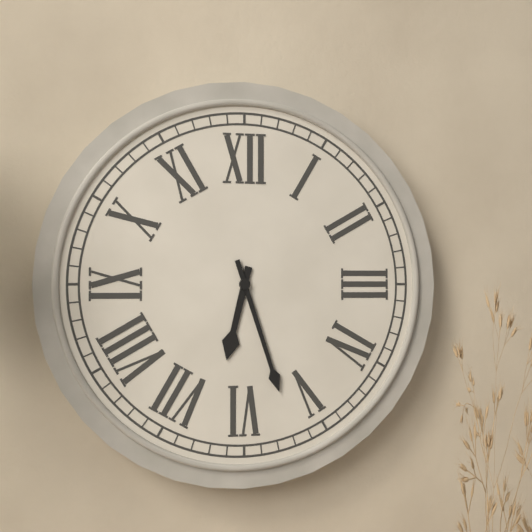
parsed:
**6:27**
